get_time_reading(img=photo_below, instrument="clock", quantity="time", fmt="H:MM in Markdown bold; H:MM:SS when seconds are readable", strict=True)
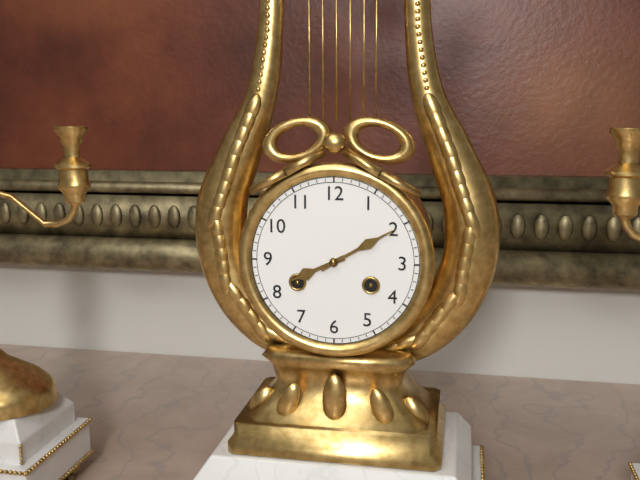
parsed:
**8:10**
